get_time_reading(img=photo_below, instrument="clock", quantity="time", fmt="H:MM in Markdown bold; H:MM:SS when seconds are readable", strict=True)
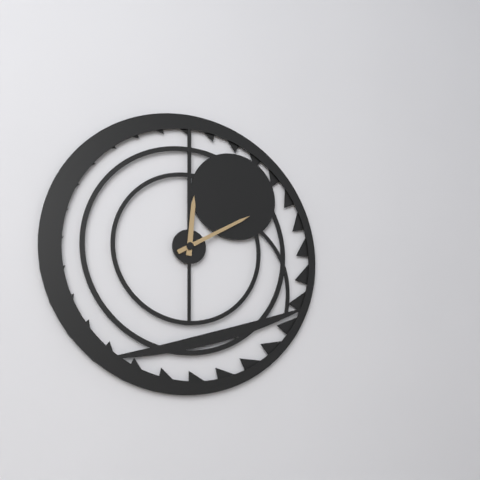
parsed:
**12:10**
